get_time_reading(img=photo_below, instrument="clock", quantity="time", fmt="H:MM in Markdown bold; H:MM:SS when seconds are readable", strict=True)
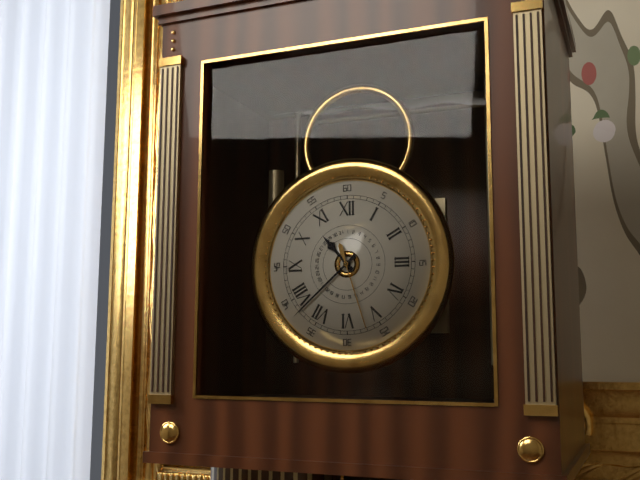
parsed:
**10:38:27**
